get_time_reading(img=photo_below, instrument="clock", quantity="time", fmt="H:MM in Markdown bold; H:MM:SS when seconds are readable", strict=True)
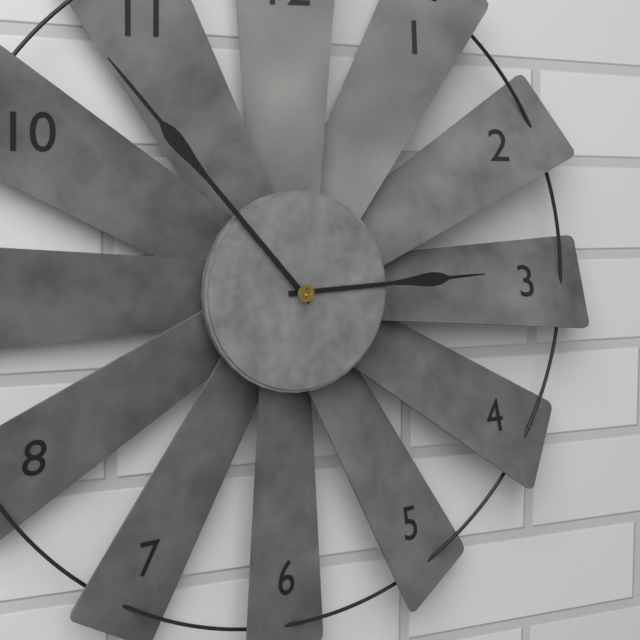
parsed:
**2:53**
